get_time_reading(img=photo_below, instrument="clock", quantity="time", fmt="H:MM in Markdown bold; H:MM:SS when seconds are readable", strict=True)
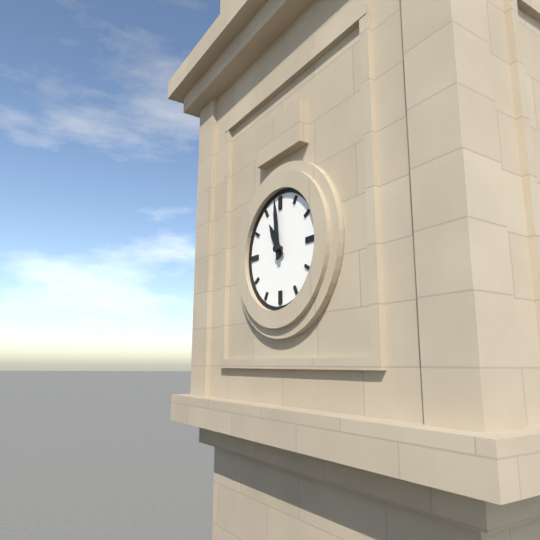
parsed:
**10:59**
